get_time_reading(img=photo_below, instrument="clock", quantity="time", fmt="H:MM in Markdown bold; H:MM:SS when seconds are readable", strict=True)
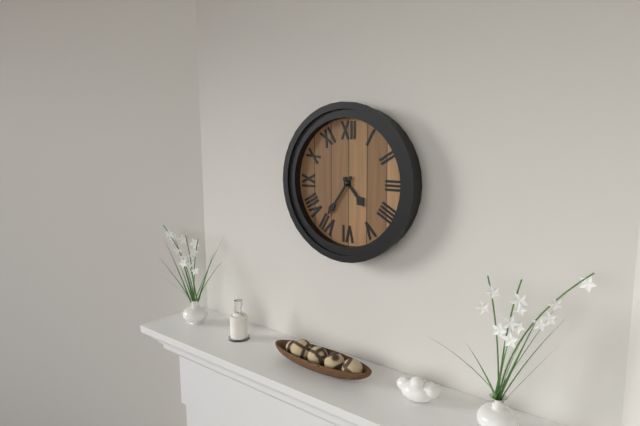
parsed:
**4:36**
